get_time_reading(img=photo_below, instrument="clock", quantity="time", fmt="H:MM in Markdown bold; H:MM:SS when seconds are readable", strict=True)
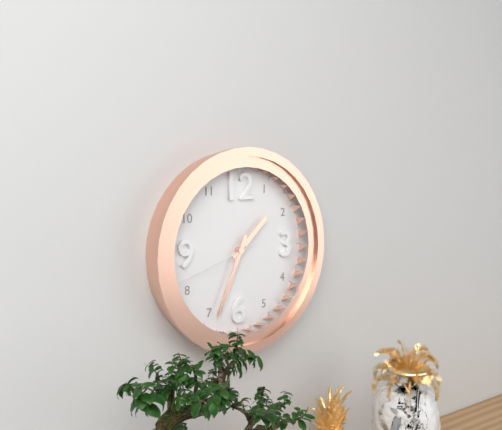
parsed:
**1:34:42**
